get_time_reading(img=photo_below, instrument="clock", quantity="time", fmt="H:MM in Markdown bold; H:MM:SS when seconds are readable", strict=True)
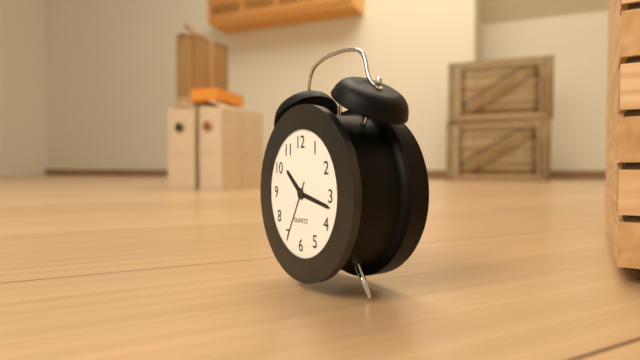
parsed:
**10:17:35**
